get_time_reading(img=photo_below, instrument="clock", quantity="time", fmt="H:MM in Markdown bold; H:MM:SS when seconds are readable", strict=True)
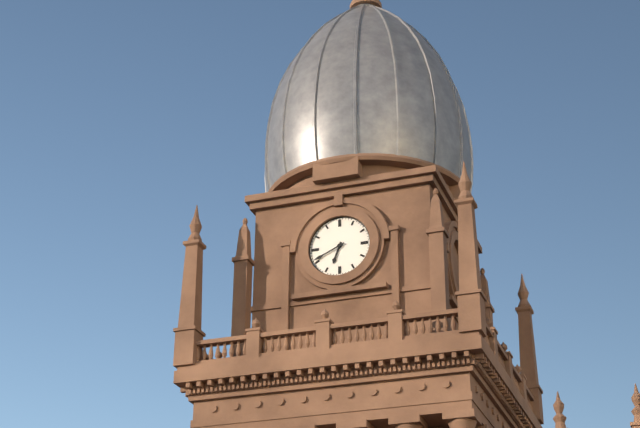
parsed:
**6:41**
